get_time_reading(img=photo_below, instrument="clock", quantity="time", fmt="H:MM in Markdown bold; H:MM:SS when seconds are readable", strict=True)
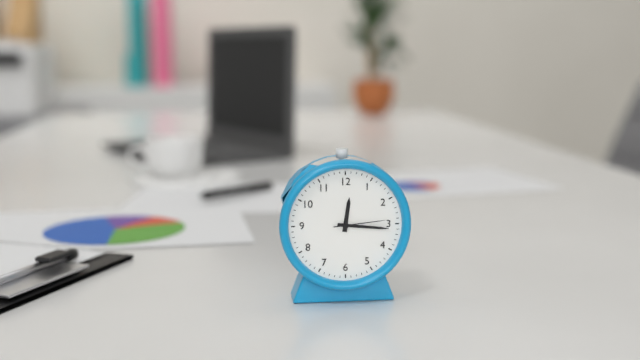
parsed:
**12:16:14**
